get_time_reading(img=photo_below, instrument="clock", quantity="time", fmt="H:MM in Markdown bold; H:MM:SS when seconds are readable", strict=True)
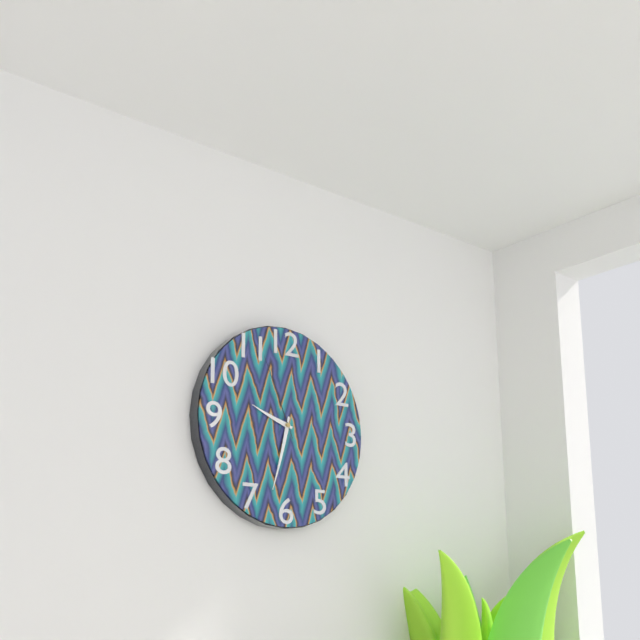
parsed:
**9:32:56**
